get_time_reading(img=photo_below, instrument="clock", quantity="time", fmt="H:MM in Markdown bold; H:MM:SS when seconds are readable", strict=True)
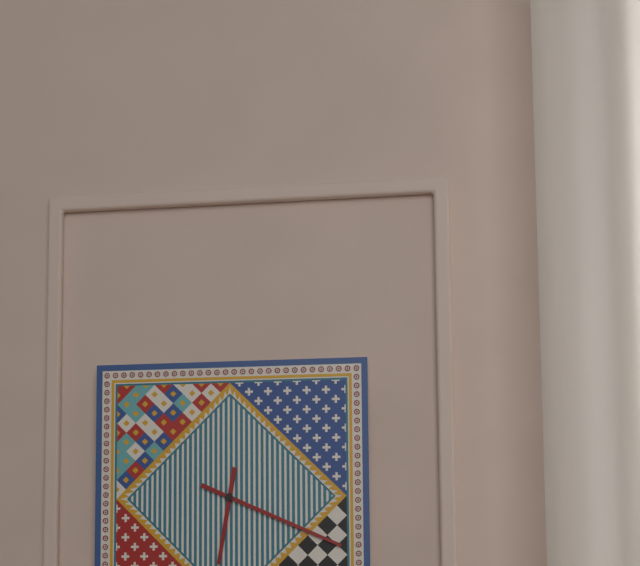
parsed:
**6:19**
